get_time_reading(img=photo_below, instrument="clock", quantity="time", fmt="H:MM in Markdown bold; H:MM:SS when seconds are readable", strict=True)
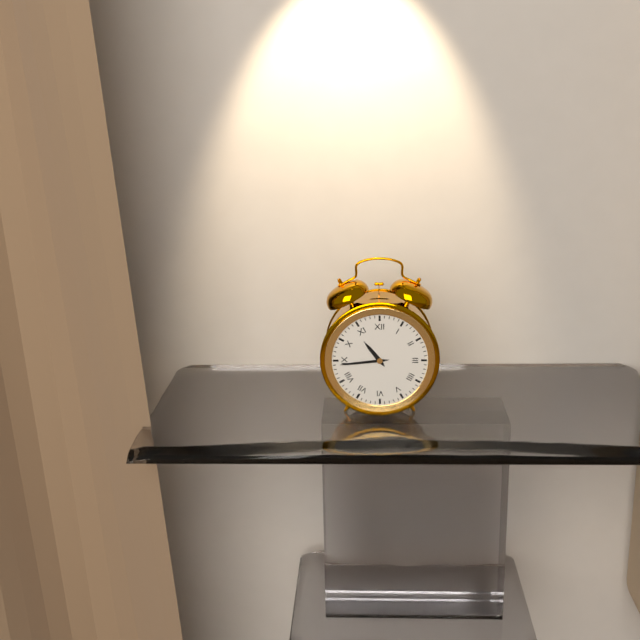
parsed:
**10:44**
